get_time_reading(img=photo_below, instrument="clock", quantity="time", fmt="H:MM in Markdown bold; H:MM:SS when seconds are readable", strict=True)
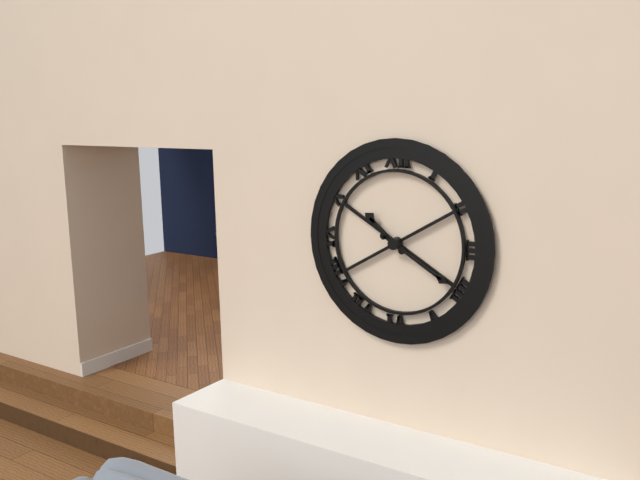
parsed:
**10:20**
